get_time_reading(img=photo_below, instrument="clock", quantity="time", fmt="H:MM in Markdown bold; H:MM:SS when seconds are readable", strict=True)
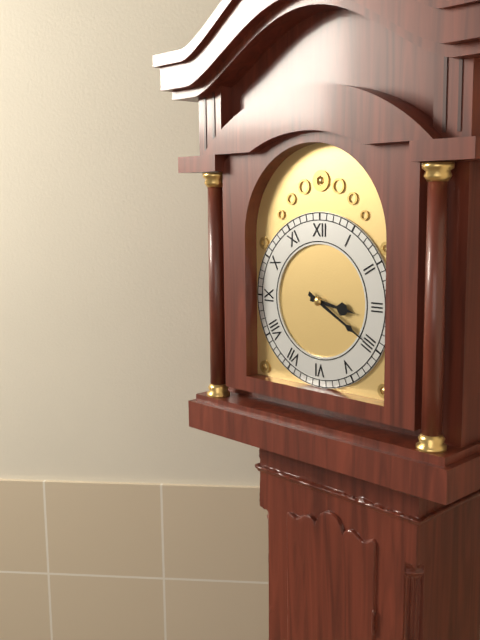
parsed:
**3:20**
